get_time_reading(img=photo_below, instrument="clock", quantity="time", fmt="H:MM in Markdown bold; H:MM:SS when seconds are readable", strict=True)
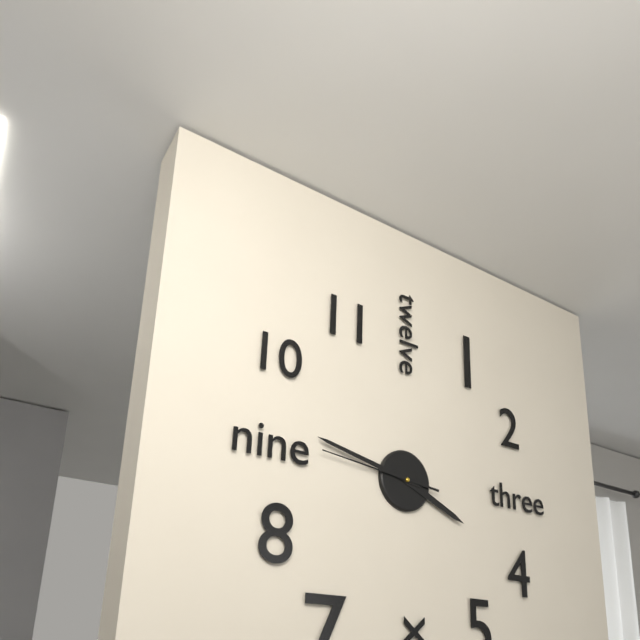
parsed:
**3:47:46**
